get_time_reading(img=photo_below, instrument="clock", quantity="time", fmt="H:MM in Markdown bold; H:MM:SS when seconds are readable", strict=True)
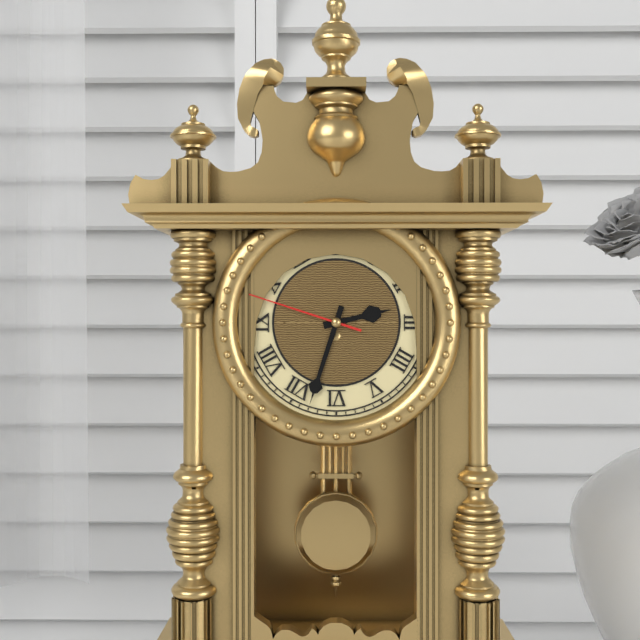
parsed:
**2:33:48**
